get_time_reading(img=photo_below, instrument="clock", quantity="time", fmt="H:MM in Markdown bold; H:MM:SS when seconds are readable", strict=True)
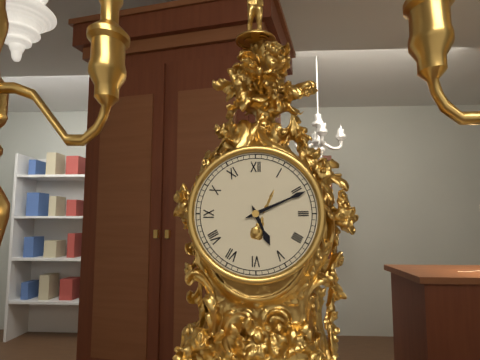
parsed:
**5:11**
